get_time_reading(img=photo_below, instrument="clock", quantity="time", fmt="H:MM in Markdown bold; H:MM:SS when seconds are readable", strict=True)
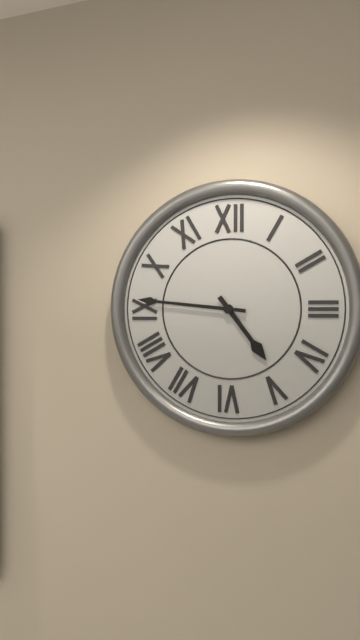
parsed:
**4:46**
